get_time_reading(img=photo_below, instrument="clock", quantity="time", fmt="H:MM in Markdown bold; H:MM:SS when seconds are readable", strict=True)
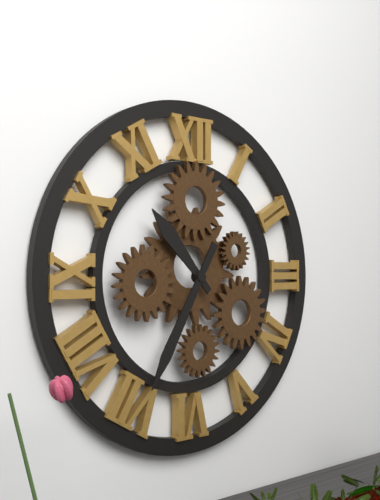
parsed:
**10:35**
